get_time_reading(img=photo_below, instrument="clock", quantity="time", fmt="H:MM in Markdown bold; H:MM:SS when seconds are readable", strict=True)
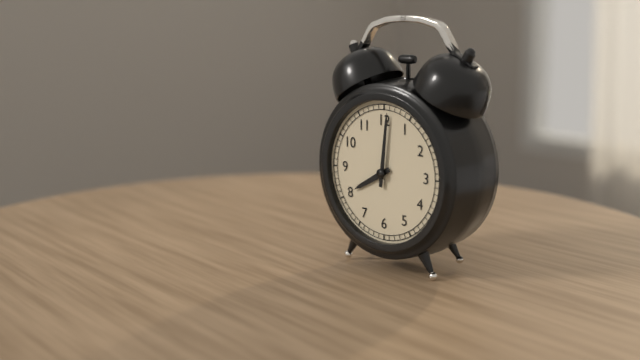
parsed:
**8:01**
